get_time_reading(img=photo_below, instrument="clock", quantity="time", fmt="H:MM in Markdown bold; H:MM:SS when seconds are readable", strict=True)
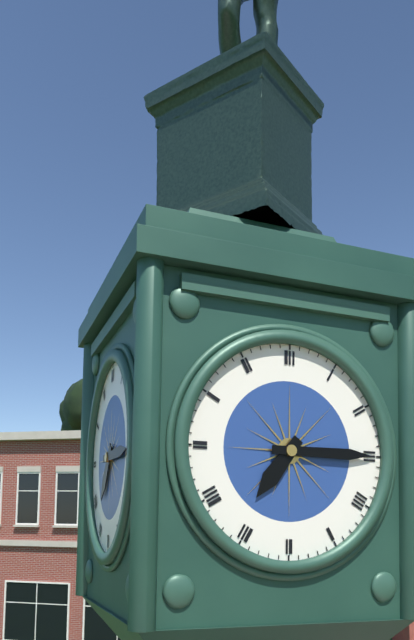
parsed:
**7:15**
